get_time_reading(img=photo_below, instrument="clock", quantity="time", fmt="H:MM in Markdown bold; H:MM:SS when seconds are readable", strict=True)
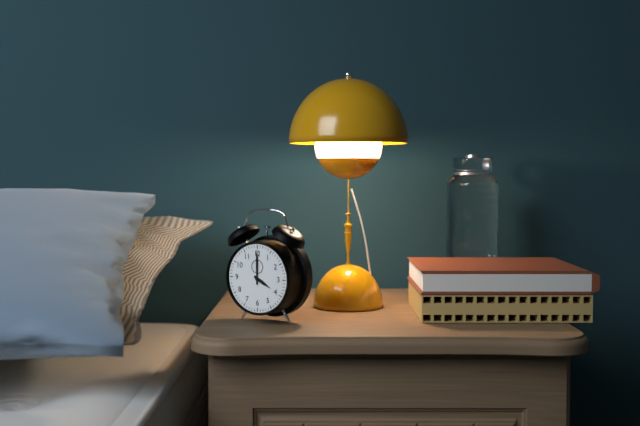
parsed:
**4:00**
